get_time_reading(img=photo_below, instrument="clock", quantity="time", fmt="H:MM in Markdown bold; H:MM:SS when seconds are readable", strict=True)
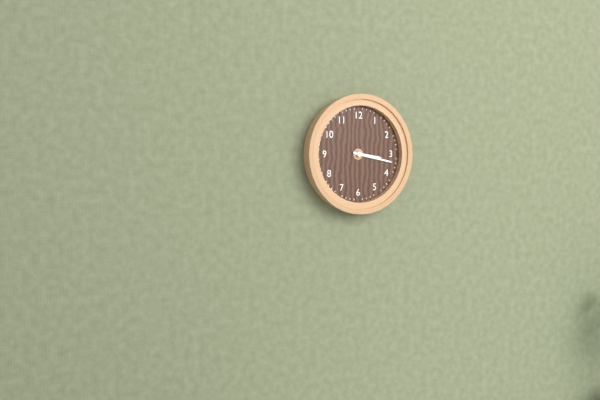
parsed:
**3:17**
